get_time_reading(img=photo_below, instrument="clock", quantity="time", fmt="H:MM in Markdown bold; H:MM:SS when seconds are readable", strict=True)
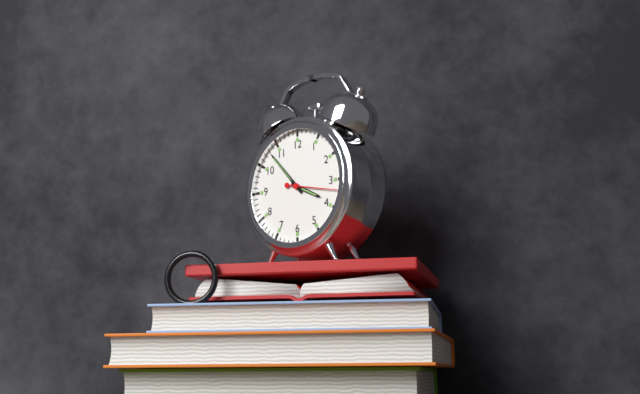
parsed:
**3:53:17**
